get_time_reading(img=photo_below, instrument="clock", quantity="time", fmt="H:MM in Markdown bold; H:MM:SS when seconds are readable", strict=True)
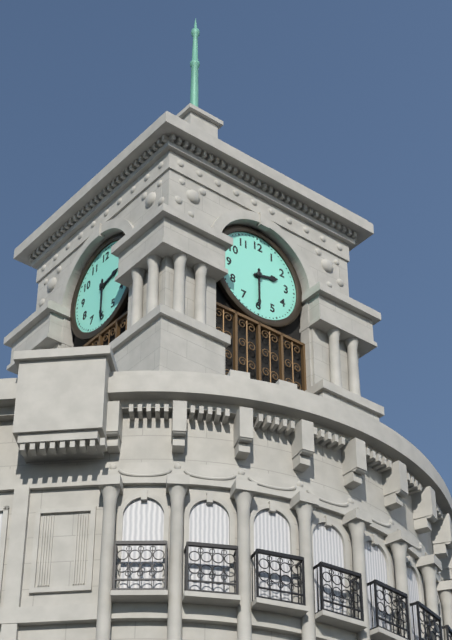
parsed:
**2:30**
